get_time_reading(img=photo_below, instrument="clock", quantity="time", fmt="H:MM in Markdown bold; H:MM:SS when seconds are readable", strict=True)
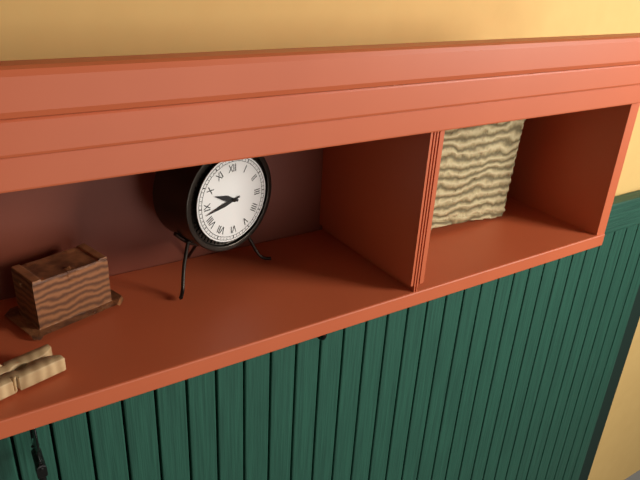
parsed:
**9:43**
